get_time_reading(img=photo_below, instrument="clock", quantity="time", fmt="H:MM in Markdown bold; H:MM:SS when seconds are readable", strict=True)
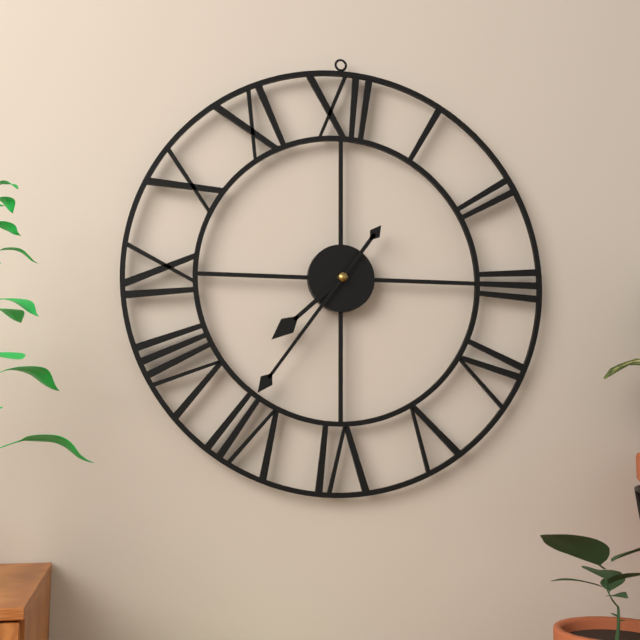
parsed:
**7:36**
